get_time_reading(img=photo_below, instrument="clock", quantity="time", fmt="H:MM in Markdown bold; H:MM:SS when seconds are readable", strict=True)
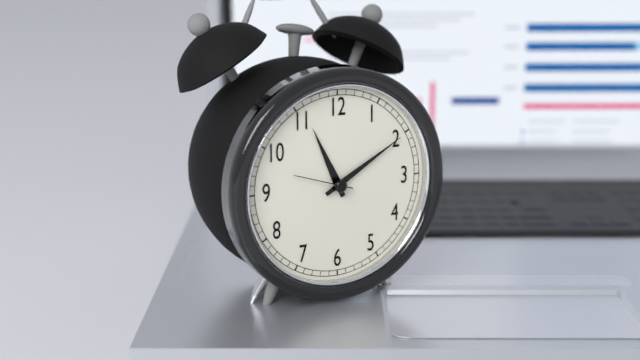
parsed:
**11:10:48**
